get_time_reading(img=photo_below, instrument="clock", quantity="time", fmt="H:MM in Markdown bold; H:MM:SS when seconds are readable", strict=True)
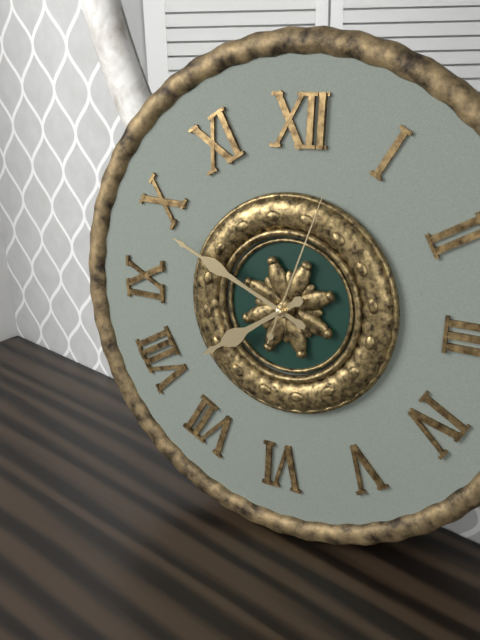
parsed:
**7:49:03**
